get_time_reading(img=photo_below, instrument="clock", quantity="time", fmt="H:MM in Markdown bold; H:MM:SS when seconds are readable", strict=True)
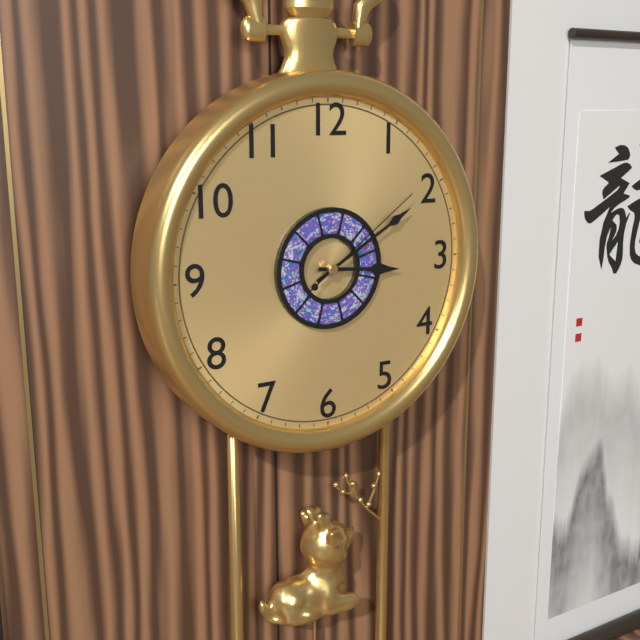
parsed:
**3:10:09**
